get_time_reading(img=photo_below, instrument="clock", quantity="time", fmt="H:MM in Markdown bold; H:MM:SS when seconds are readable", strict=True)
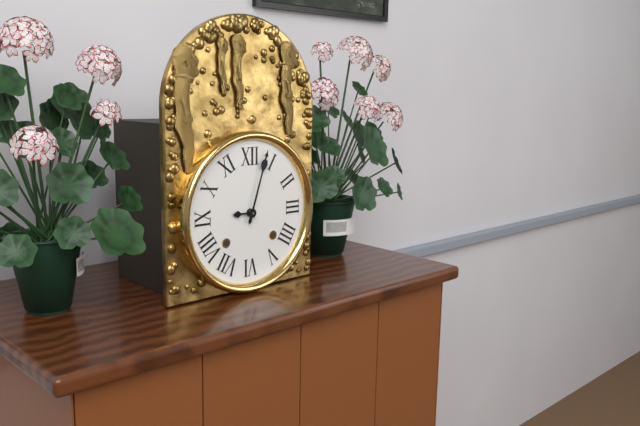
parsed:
**9:03**
